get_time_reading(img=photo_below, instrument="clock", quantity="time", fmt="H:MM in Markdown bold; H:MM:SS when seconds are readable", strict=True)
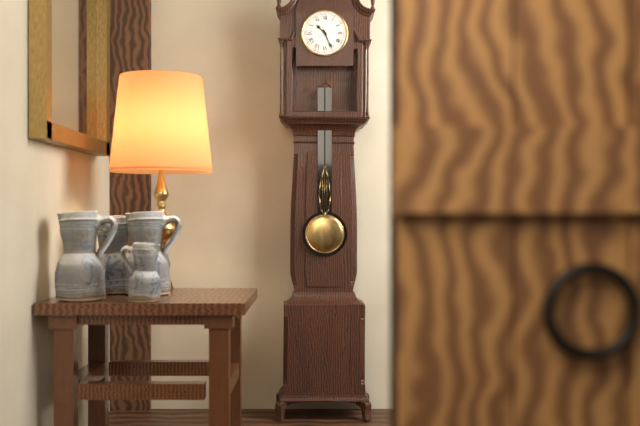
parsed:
**10:26**
